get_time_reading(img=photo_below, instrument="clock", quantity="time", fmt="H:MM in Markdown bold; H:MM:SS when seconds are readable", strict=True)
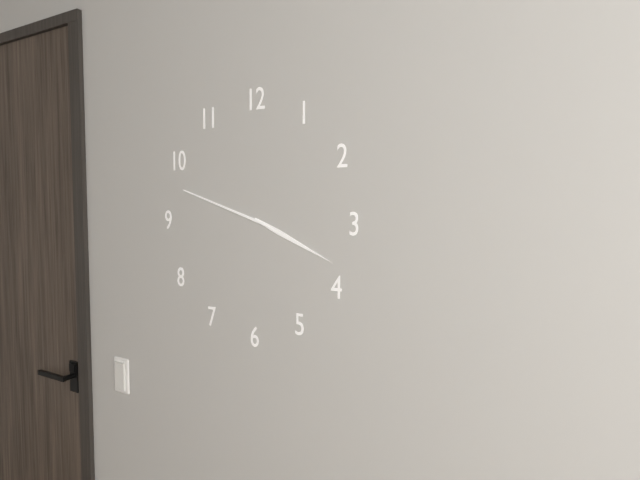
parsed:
**3:48**
